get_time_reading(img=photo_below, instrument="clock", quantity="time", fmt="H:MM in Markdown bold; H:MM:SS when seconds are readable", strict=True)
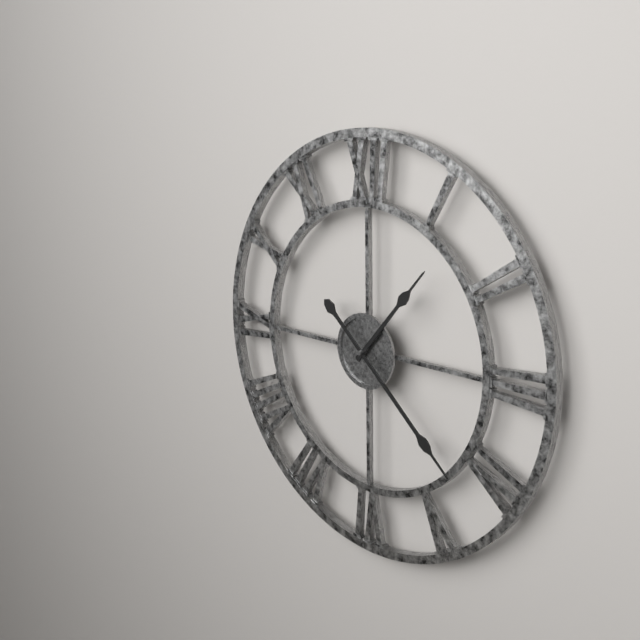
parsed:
**1:22**
